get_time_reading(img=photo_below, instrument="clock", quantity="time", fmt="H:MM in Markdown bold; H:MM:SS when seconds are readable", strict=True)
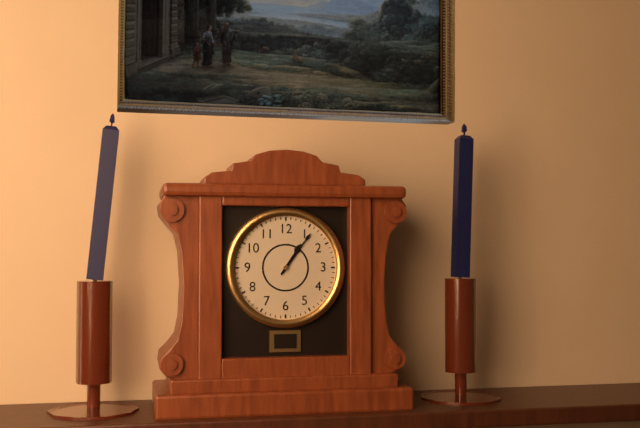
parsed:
**1:06**
